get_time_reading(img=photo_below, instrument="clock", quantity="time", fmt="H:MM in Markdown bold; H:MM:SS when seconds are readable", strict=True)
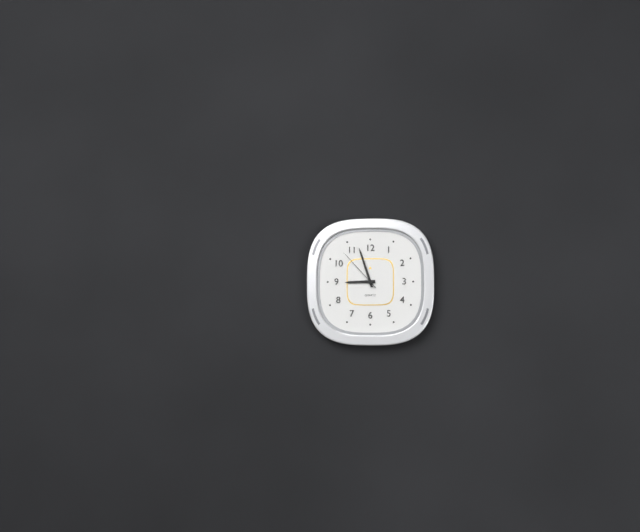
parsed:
**8:57**
